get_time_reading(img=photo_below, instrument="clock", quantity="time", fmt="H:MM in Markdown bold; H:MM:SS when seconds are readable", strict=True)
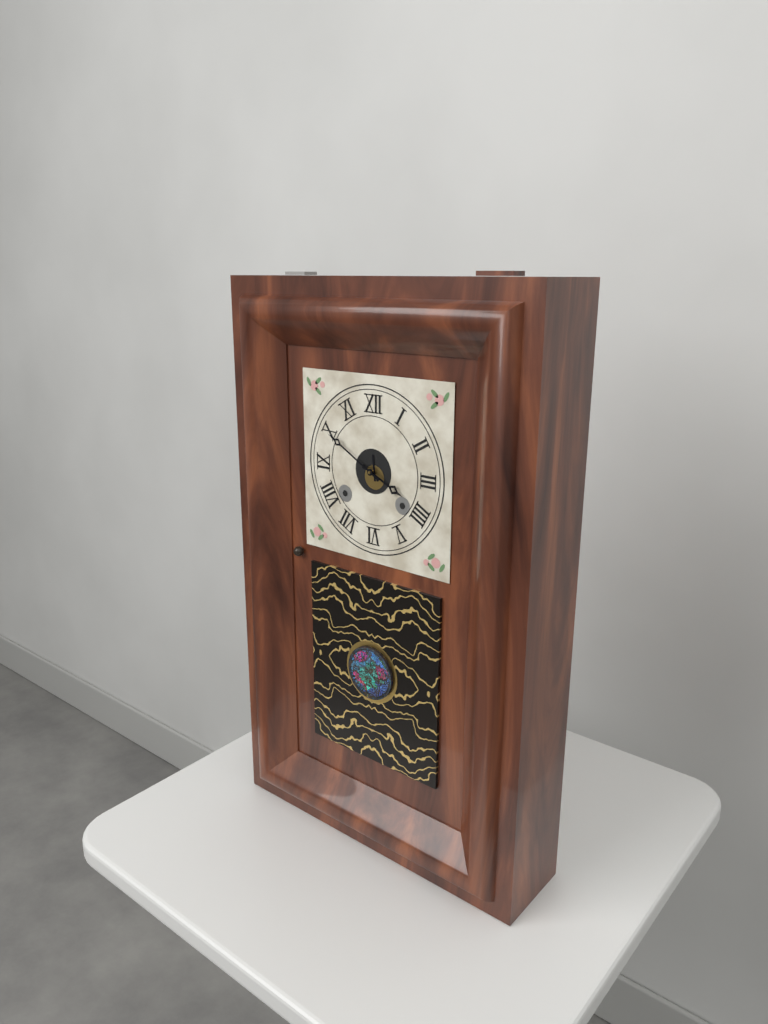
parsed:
**3:50**
